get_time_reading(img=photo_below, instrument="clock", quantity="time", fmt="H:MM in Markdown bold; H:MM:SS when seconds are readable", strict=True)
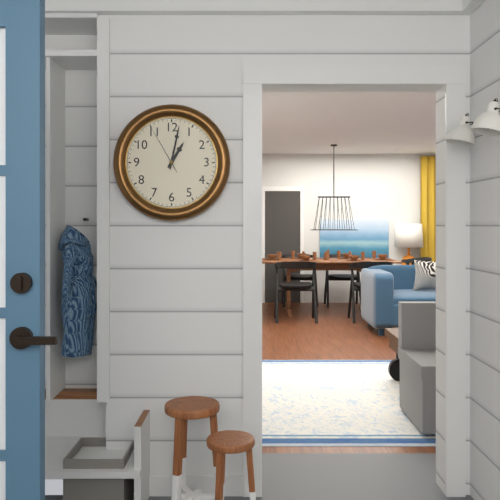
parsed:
**1:02:55**
